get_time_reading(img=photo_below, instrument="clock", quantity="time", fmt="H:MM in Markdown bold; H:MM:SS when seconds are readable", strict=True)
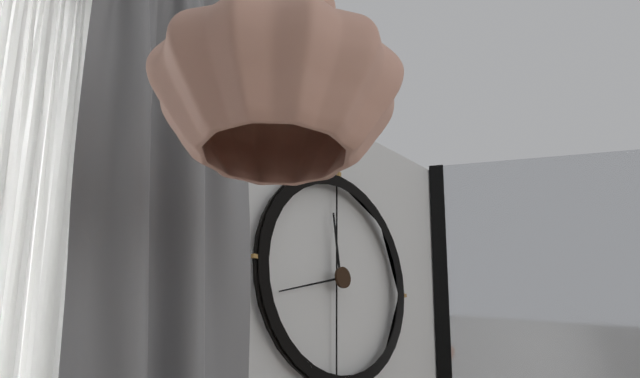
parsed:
**11:42**
